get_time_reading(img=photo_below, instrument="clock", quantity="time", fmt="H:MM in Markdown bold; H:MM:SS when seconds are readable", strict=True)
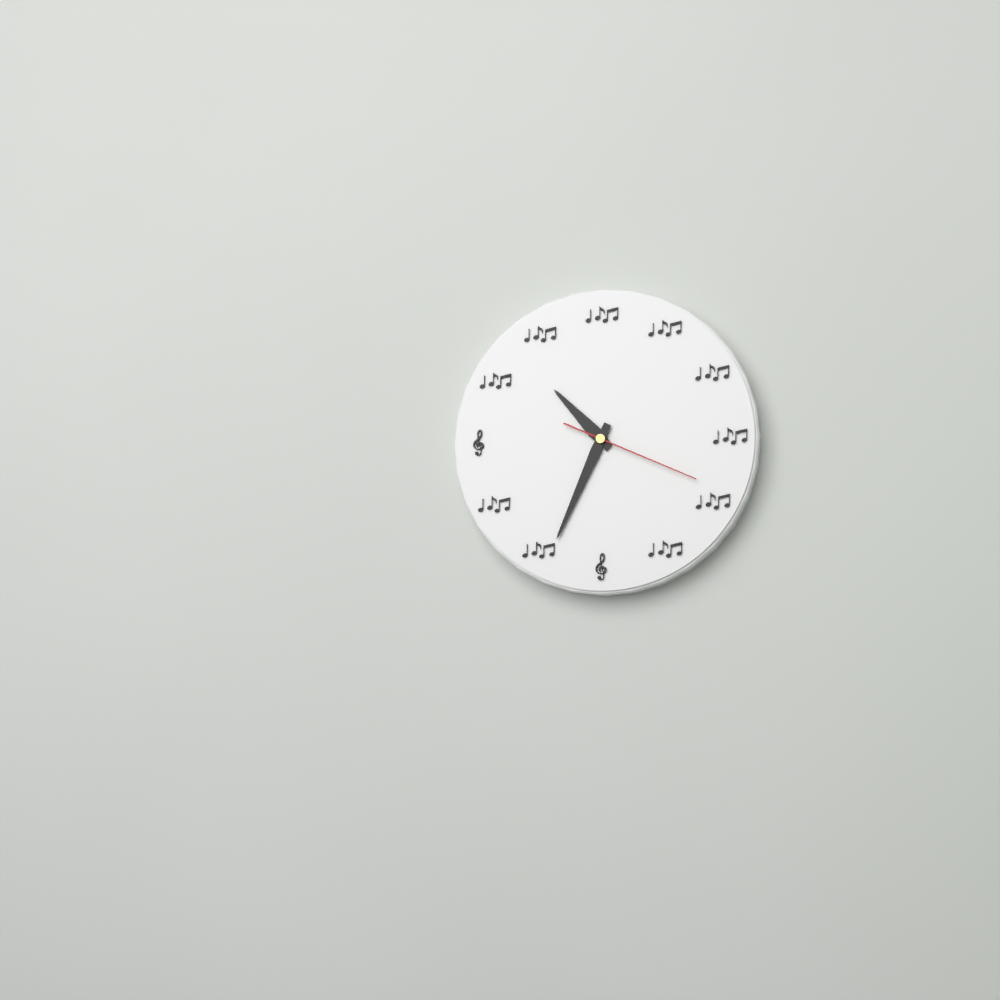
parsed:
**10:34:19**
